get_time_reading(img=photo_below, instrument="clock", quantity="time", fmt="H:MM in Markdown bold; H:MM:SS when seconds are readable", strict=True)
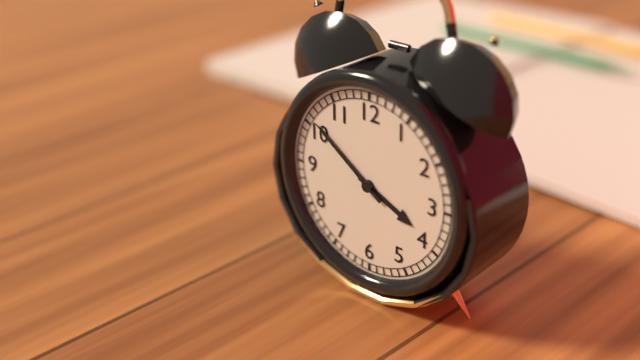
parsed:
**3:51**
